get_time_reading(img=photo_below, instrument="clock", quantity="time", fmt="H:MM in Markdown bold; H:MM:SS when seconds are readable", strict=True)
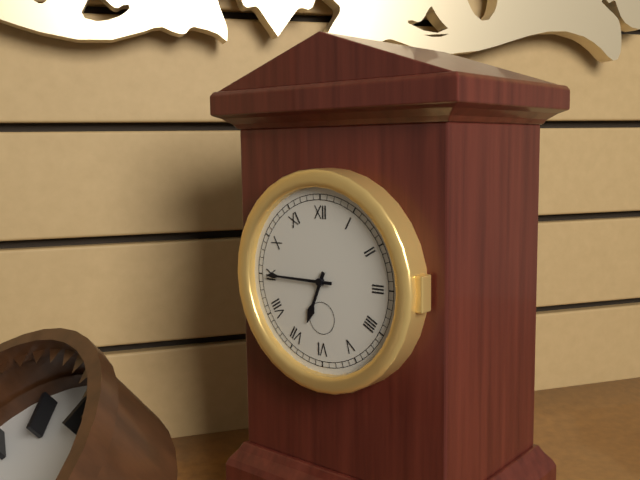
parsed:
**6:45**
